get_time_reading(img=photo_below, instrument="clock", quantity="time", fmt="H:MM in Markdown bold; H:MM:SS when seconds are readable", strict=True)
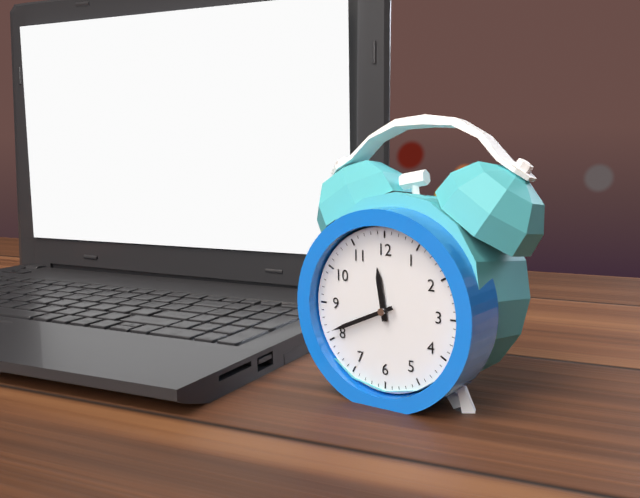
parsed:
**11:41**
